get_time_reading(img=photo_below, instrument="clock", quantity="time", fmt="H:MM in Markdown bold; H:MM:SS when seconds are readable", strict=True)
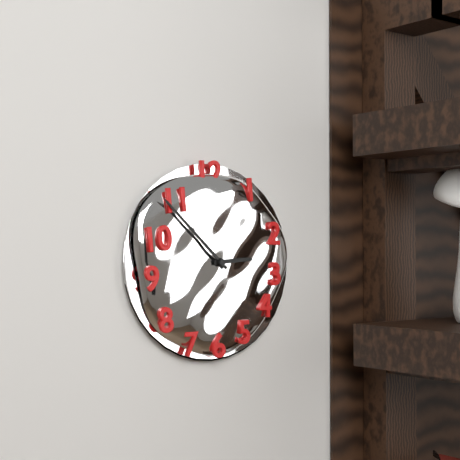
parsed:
**2:52**
